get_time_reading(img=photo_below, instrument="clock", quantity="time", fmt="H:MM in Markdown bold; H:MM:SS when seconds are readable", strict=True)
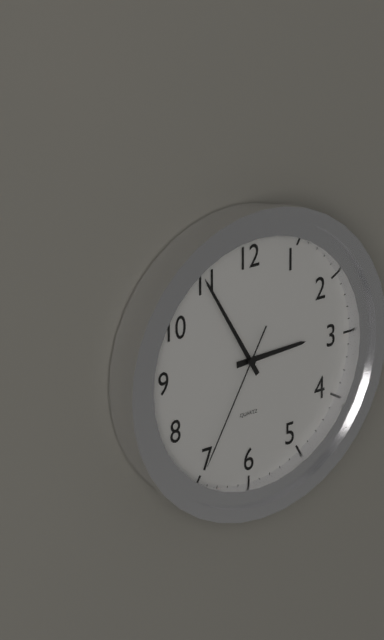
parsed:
**2:55:35**
